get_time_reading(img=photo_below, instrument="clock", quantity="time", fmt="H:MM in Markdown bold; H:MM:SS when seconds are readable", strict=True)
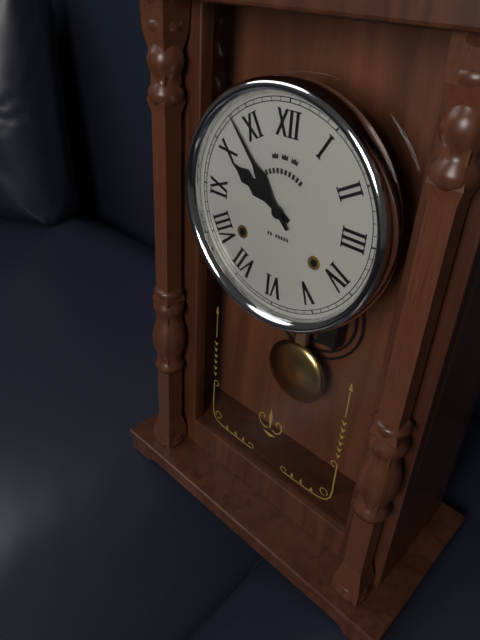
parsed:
**9:53**
